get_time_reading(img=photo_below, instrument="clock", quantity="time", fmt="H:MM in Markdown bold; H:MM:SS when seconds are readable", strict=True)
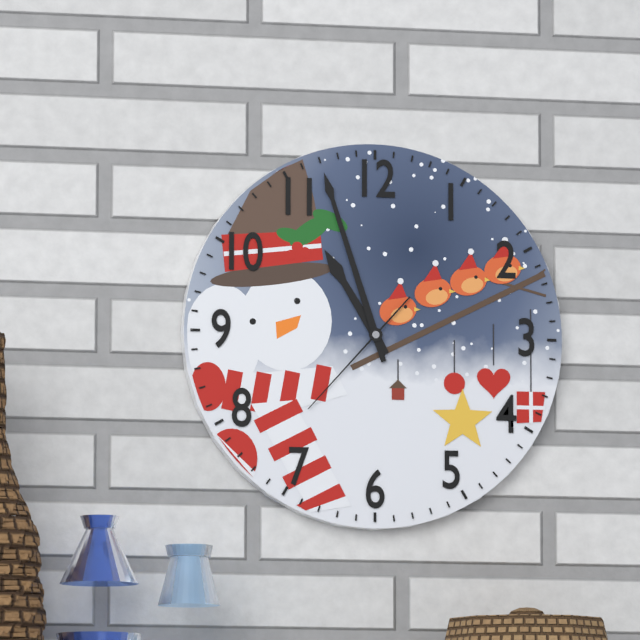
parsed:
**10:57:37**
